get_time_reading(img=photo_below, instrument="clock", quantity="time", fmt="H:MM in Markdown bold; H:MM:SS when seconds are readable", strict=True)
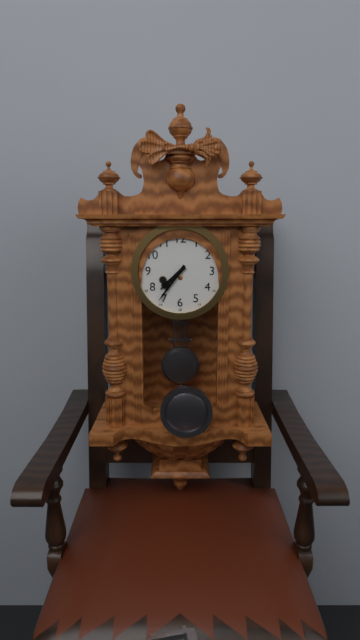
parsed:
**7:36**
